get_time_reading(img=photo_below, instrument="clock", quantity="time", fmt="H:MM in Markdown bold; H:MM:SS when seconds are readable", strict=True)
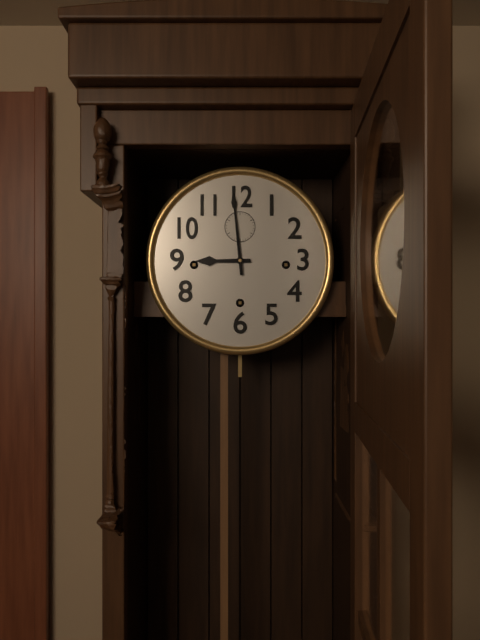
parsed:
**8:59**
